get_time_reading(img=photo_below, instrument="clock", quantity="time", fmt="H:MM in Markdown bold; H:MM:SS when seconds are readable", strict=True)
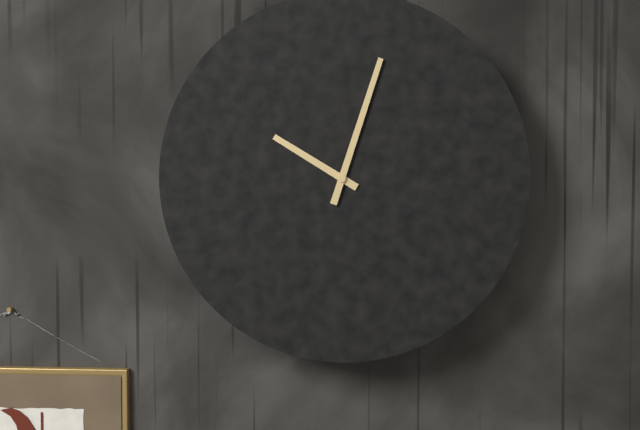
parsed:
**10:03**
